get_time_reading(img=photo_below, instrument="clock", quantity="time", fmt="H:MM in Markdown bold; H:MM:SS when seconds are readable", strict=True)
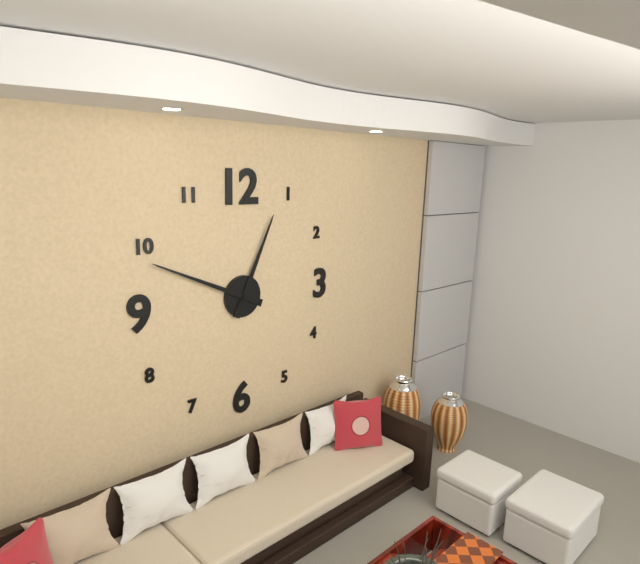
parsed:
**12:49**
